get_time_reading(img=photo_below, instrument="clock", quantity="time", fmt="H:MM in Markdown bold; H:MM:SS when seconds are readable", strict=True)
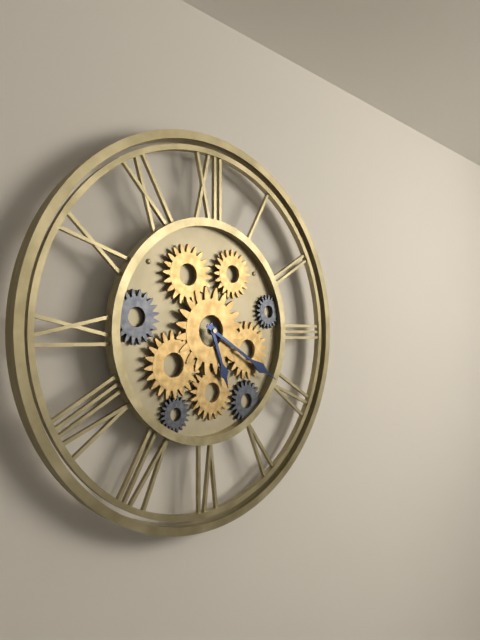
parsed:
**5:20**
